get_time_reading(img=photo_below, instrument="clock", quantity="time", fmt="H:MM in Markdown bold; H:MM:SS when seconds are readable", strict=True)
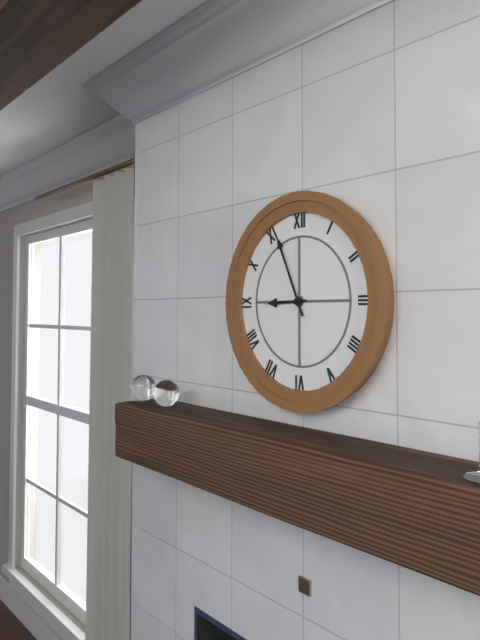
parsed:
**8:56**
